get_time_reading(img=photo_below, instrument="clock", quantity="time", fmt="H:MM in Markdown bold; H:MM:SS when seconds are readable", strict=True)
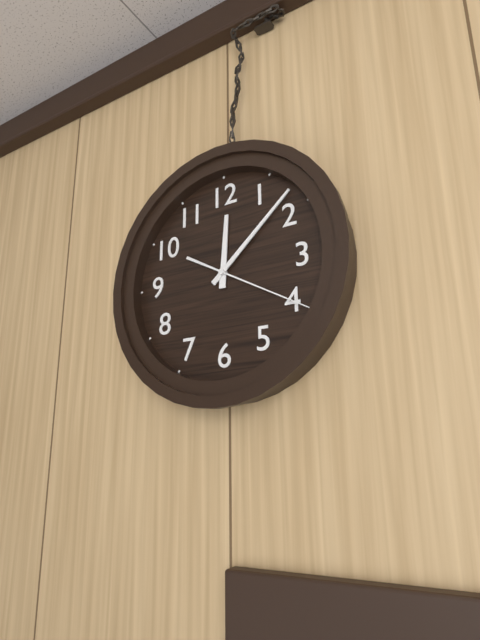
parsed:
**12:08:20**
